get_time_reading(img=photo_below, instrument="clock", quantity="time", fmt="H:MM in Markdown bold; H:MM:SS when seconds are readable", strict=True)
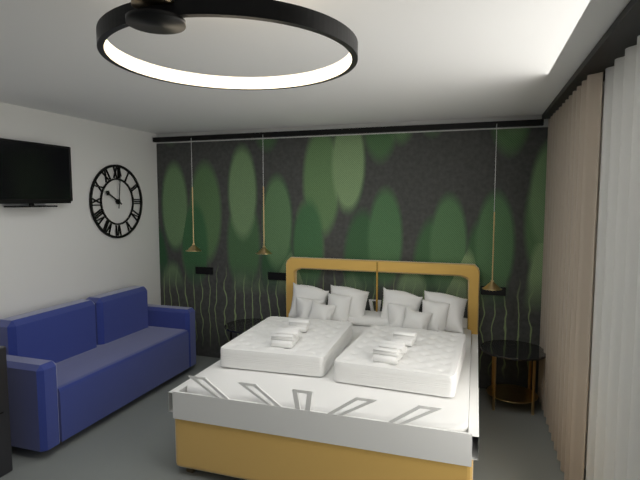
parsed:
**10:01**
